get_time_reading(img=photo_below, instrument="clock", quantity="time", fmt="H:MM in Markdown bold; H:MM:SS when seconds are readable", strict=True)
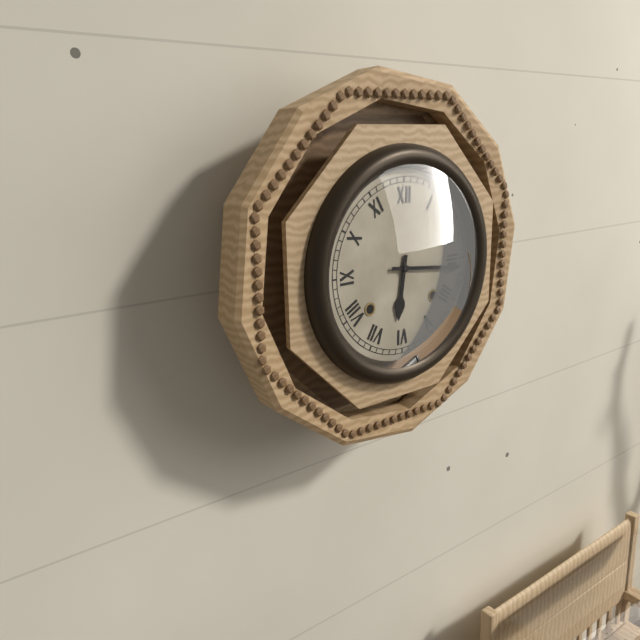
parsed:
**6:16**
